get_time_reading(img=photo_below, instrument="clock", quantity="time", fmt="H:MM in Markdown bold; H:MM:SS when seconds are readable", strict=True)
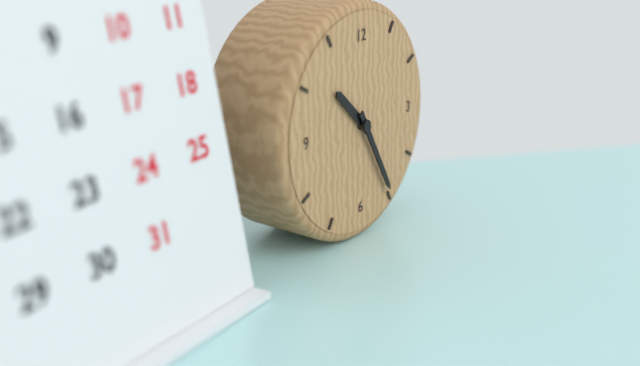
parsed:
**10:25**
